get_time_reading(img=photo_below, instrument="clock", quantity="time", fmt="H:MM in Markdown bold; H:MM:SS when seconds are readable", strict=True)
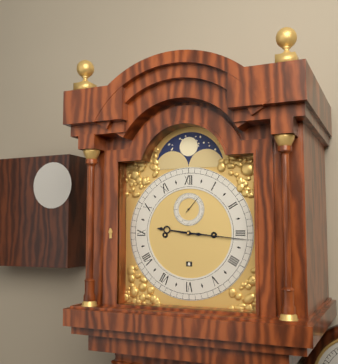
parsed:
**9:16**
